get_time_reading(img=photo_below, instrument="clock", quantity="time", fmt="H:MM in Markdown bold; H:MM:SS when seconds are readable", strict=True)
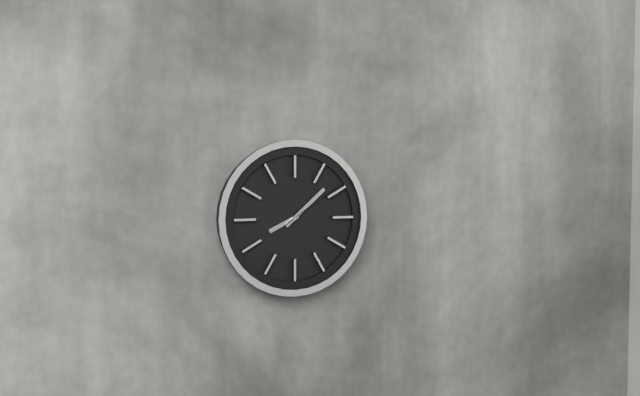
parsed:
**8:08:09**
